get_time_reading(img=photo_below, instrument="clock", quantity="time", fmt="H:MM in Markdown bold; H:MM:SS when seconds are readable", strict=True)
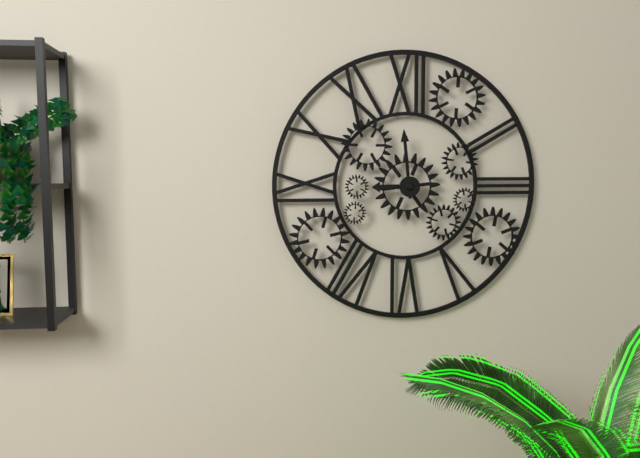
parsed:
**8:59**
